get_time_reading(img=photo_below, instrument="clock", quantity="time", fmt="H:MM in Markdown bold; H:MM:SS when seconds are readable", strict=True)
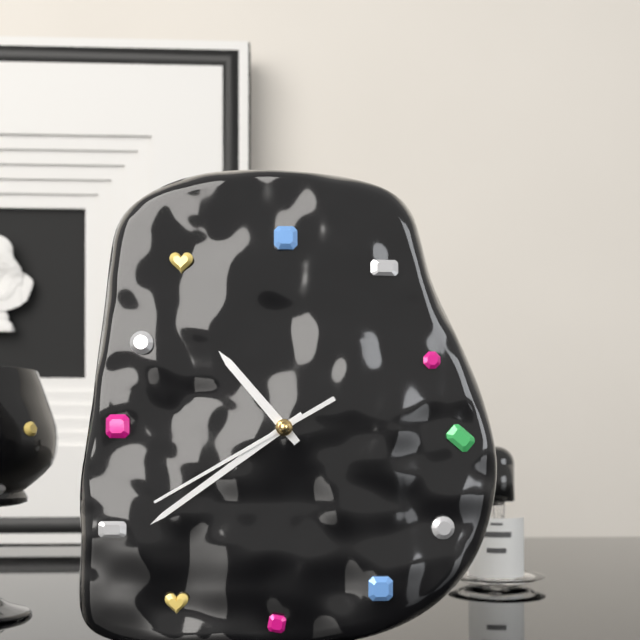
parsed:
**10:39:40**
